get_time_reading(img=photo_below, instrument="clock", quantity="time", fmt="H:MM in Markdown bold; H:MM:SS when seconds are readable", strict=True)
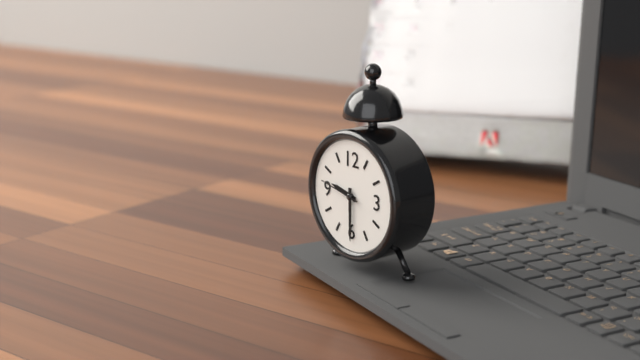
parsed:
**9:30**
